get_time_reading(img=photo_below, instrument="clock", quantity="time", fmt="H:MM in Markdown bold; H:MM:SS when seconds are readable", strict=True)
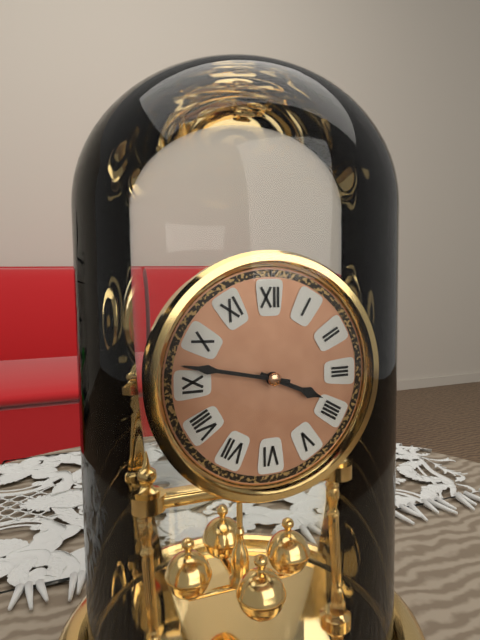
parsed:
**3:47**
